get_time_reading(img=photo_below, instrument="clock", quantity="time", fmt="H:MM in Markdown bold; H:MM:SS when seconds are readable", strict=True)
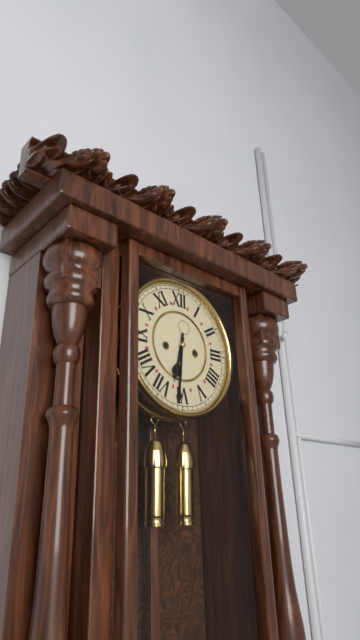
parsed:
**6:31**
